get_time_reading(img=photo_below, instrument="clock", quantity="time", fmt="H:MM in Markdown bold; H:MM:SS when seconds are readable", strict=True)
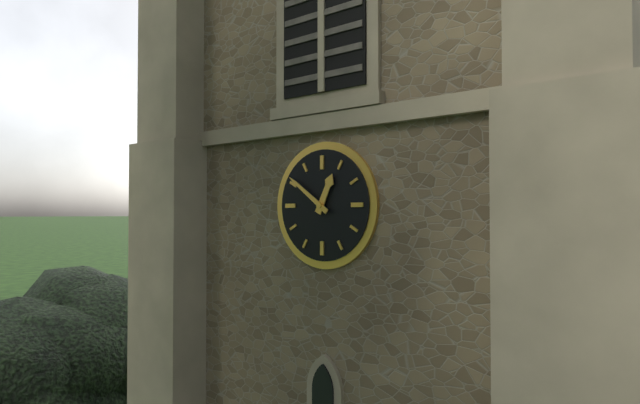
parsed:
**12:51**
